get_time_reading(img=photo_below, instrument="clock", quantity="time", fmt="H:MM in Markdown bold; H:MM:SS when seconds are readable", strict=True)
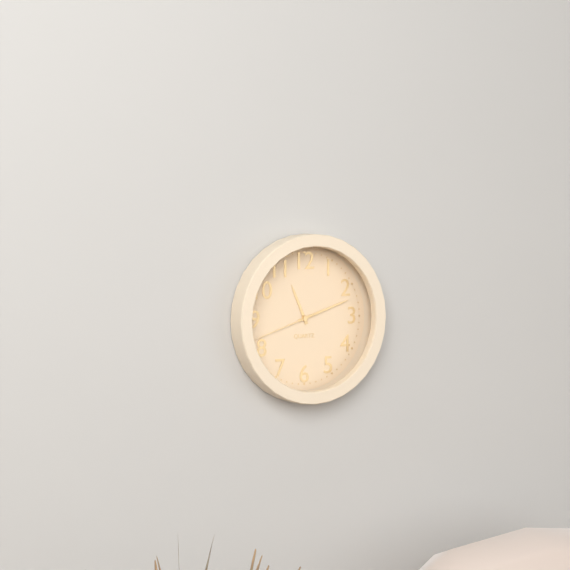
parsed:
**11:12:42**
